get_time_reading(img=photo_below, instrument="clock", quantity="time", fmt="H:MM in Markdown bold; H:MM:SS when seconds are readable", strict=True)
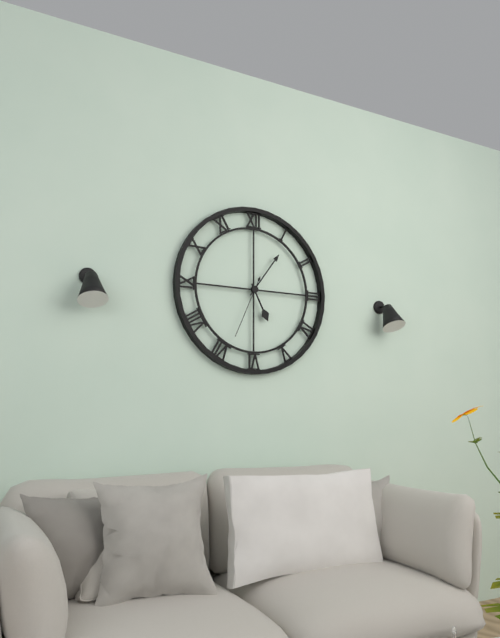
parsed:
**5:06:34**
